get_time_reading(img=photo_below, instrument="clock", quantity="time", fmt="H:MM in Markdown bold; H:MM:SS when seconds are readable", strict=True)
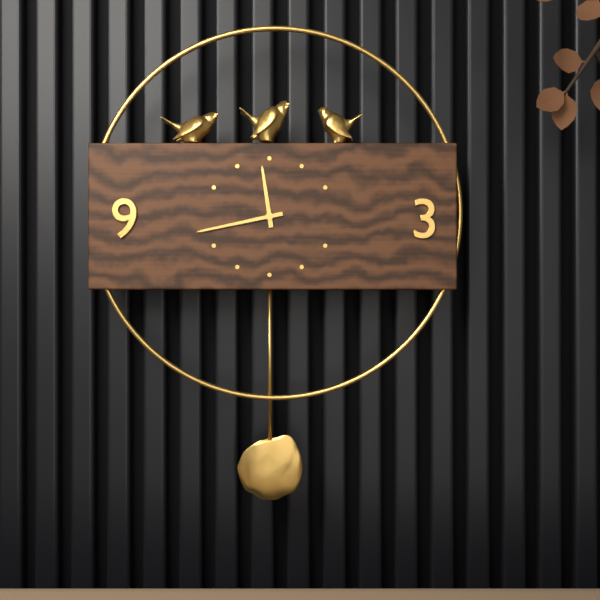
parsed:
**11:43**
